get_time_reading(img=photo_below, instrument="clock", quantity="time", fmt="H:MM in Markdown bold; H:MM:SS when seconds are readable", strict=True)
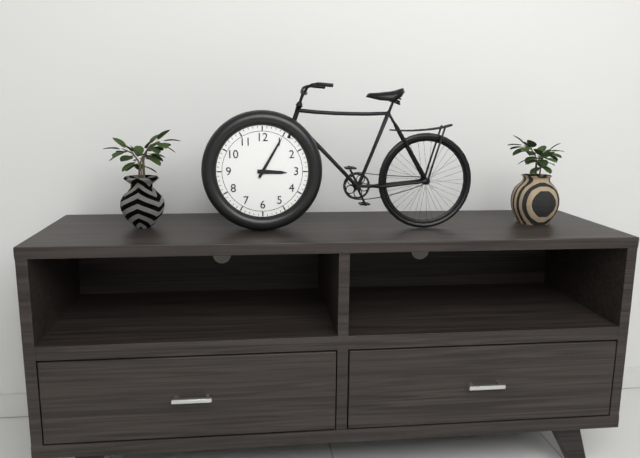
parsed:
**3:05**
